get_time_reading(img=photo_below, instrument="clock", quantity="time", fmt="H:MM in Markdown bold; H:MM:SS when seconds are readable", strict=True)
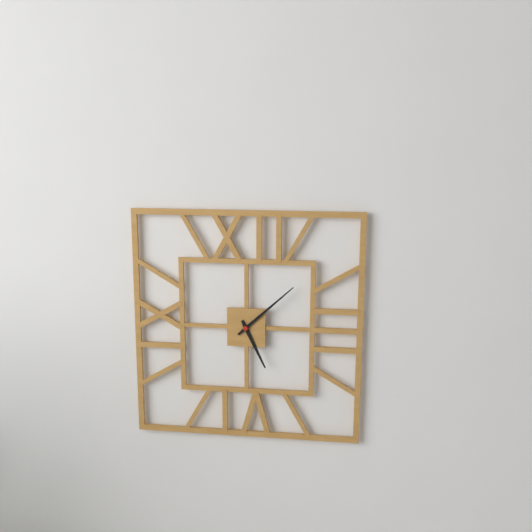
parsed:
**5:08**
